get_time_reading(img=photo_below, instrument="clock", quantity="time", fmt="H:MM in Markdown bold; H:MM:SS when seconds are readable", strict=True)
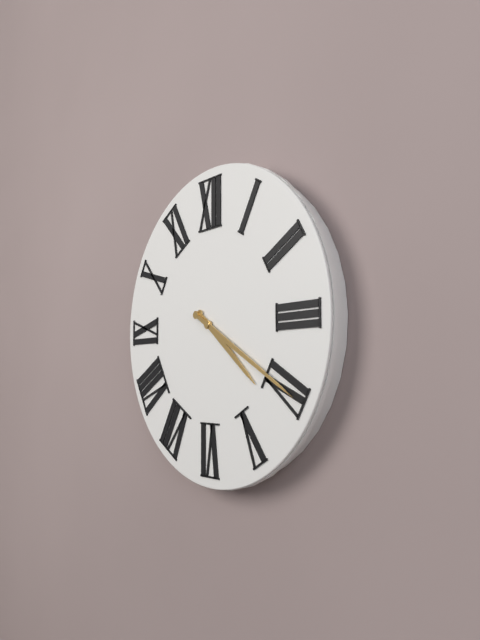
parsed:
**4:20**
